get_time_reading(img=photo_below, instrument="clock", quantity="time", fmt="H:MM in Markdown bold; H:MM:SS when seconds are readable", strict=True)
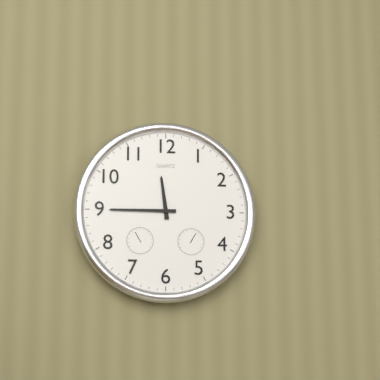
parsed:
**11:45**
